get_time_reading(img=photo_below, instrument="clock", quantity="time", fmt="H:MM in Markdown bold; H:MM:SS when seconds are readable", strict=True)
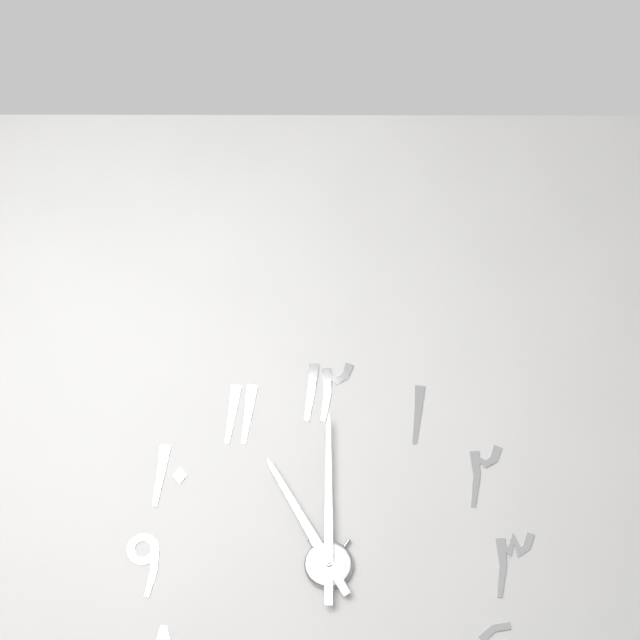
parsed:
**11:00**
